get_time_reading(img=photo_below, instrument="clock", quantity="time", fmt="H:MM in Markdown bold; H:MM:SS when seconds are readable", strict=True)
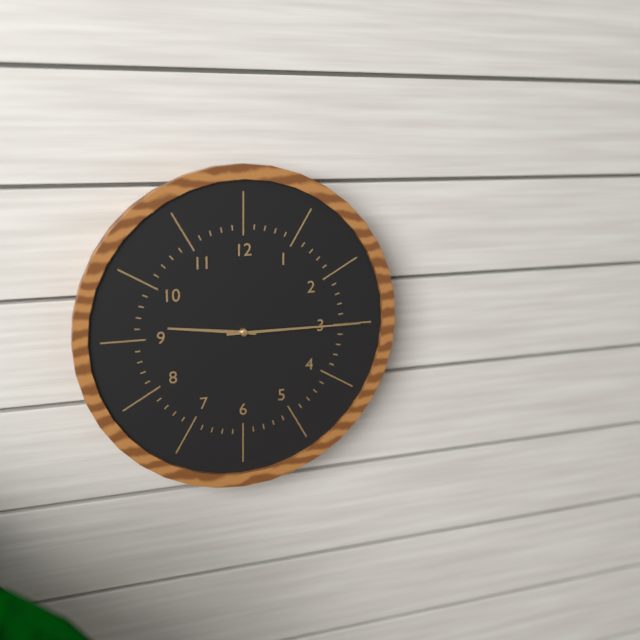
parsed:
**9:15**
